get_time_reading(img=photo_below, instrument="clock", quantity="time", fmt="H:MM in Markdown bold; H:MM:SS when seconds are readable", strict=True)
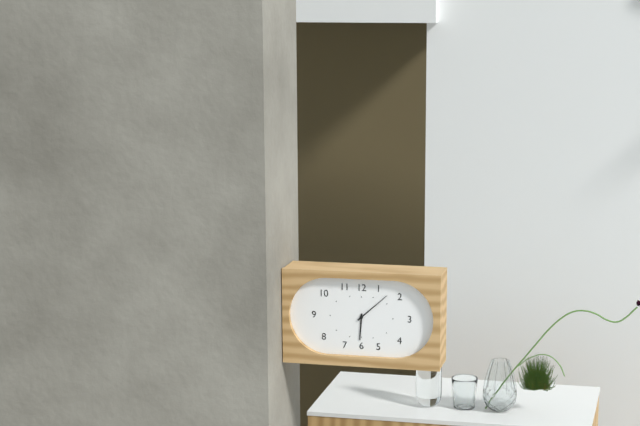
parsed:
**6:08**
